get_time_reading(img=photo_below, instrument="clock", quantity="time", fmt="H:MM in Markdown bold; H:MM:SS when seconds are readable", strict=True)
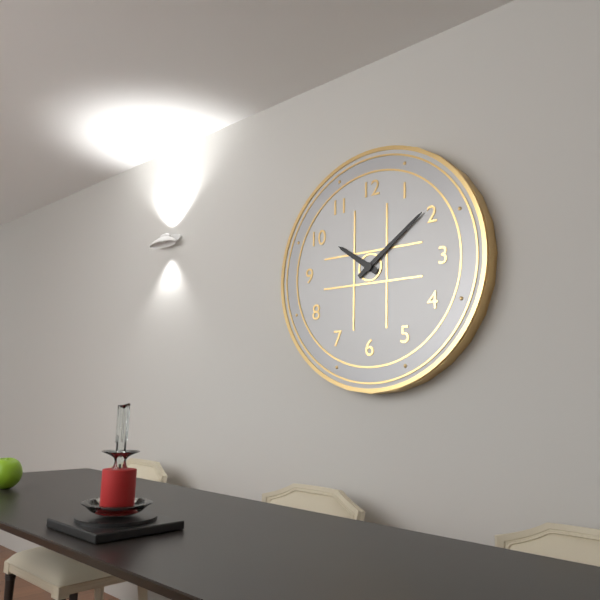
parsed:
**10:09**
